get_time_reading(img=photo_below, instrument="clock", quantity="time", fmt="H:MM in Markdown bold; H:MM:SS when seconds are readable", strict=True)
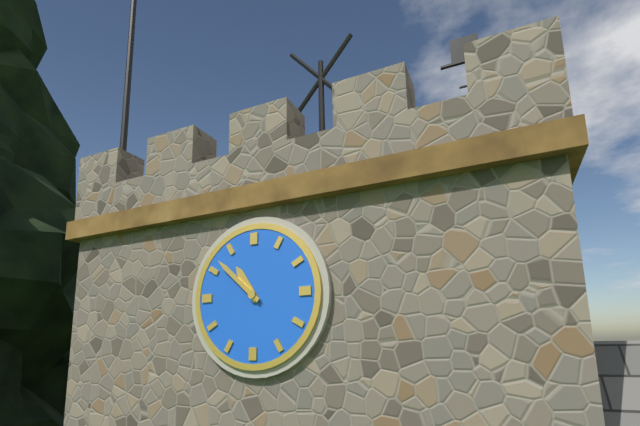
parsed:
**10:52**
